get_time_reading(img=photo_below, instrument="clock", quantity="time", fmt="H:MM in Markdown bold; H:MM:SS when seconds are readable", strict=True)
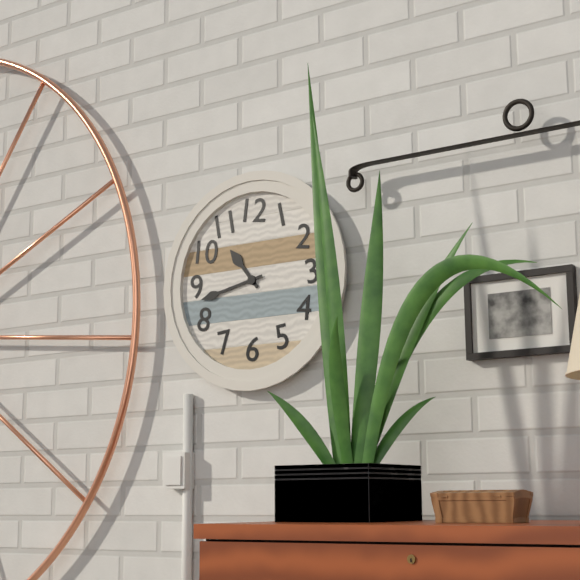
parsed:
**10:43**
